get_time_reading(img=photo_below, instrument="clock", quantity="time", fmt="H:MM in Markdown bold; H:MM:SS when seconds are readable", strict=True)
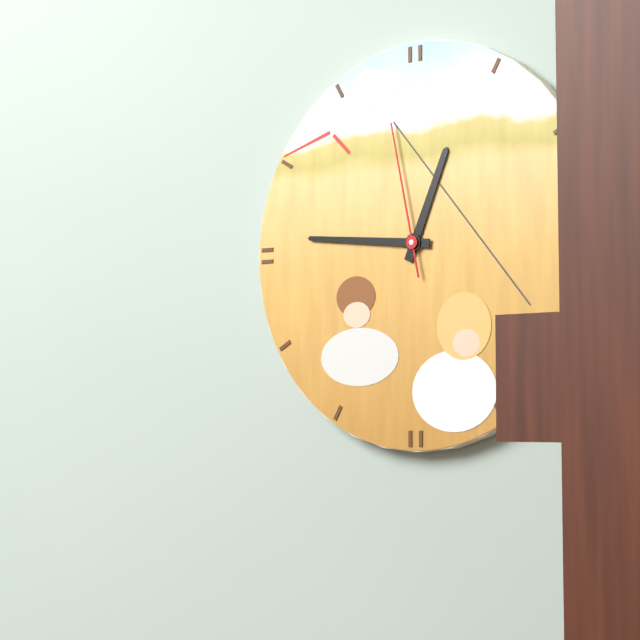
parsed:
**12:46:58**
